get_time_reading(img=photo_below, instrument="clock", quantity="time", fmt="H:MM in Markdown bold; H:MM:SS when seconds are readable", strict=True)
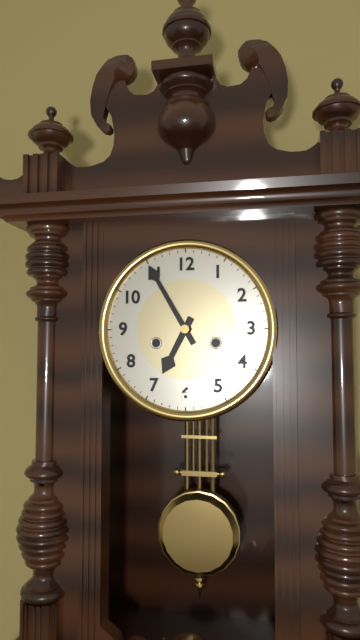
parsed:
**6:55**
